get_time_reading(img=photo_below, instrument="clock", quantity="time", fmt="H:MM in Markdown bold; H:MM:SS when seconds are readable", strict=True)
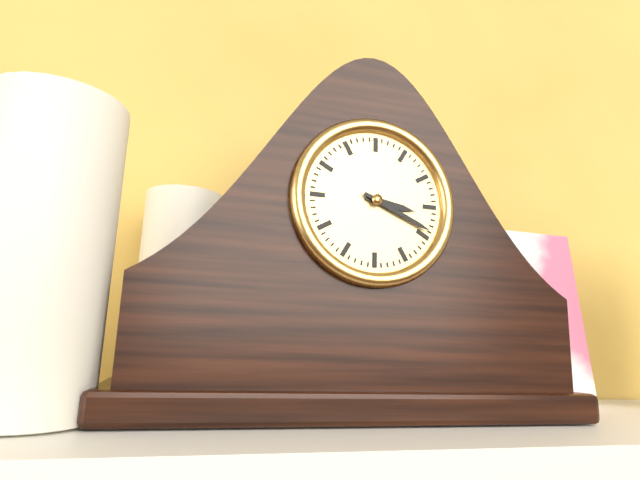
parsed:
**3:19**
